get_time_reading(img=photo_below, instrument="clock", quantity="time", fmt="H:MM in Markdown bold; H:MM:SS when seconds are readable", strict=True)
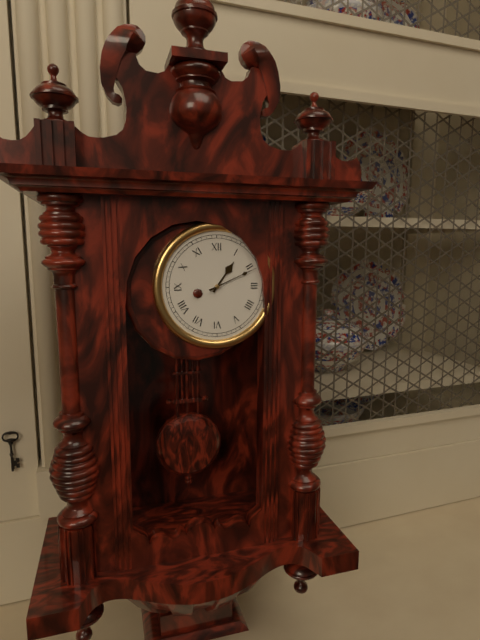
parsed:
**1:11**
